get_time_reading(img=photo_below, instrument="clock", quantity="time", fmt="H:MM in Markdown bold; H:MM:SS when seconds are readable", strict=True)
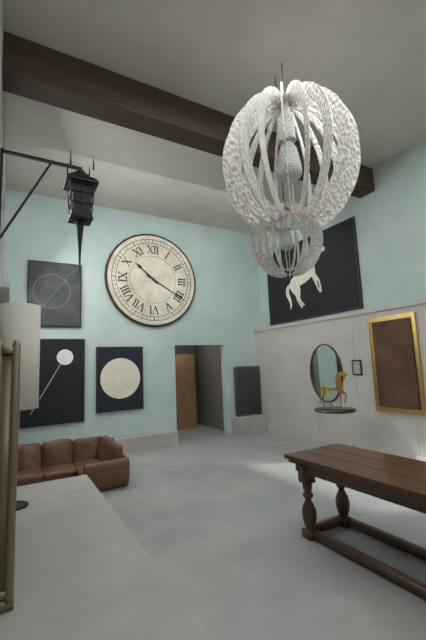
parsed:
**10:20**
